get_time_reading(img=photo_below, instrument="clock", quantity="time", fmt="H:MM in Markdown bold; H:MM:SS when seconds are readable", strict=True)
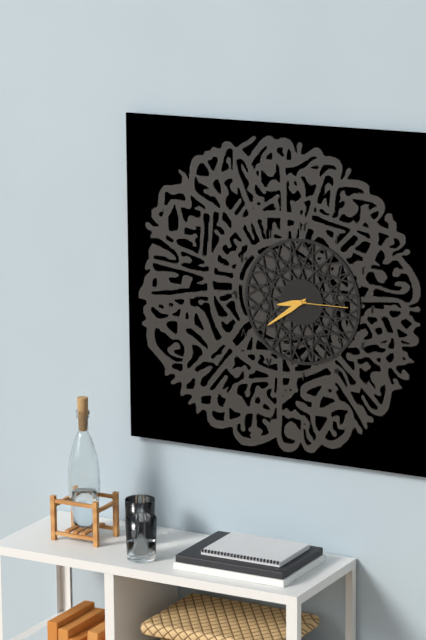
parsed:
**8:39:15**
